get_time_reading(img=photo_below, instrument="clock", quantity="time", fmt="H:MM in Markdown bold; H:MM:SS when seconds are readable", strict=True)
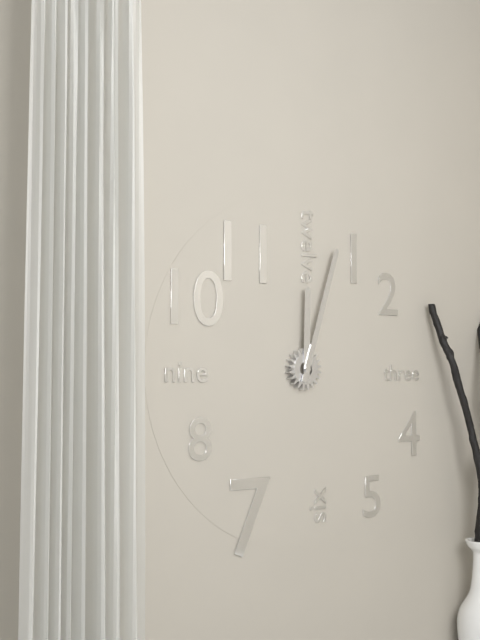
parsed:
**12:03**
